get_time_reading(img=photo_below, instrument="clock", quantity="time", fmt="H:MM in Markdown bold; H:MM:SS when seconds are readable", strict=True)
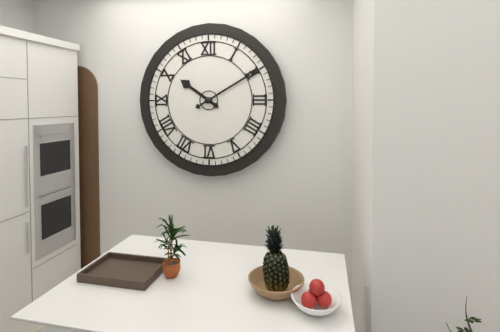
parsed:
**10:10**
